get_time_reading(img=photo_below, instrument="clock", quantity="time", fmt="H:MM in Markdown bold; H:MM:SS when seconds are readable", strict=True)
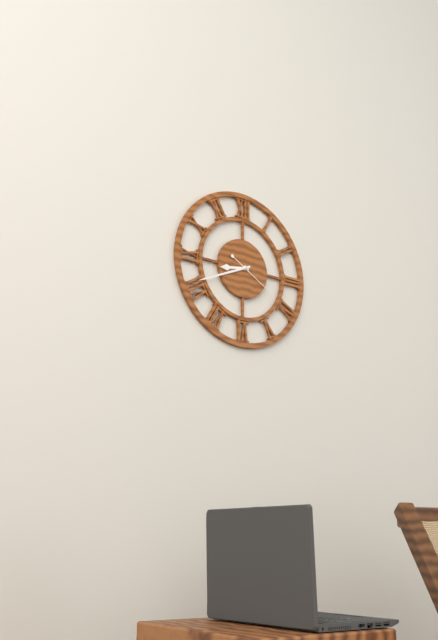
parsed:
**8:41**
